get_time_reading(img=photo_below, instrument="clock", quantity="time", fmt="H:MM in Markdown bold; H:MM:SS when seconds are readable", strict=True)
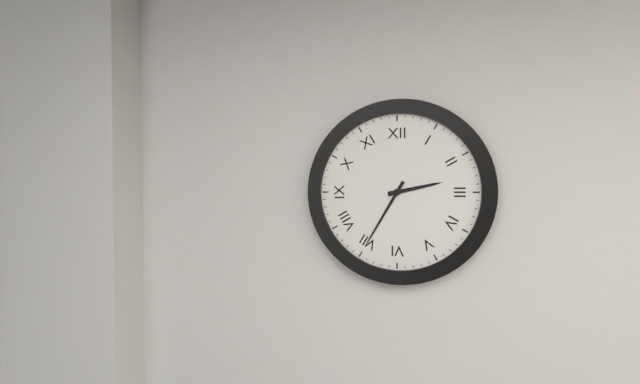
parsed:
**2:35**
